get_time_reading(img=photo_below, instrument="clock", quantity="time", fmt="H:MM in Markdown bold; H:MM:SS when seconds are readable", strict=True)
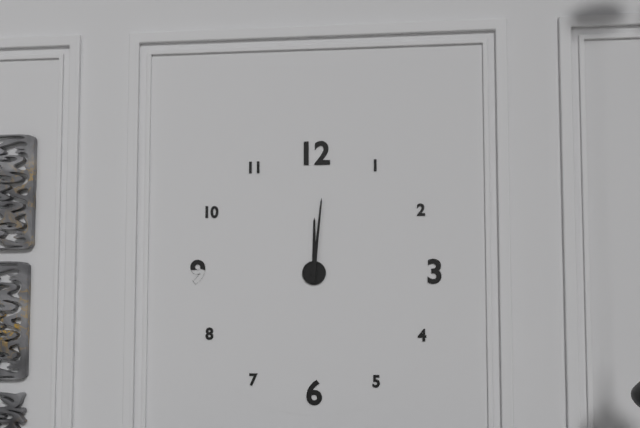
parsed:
**12:01**
